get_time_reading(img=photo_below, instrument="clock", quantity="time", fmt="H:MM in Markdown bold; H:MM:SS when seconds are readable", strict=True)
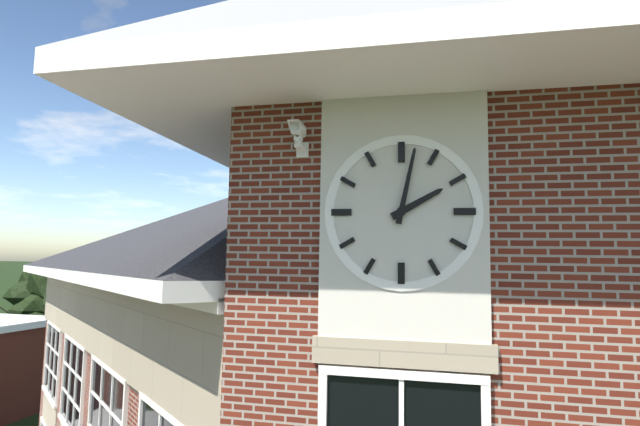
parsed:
**2:02**
